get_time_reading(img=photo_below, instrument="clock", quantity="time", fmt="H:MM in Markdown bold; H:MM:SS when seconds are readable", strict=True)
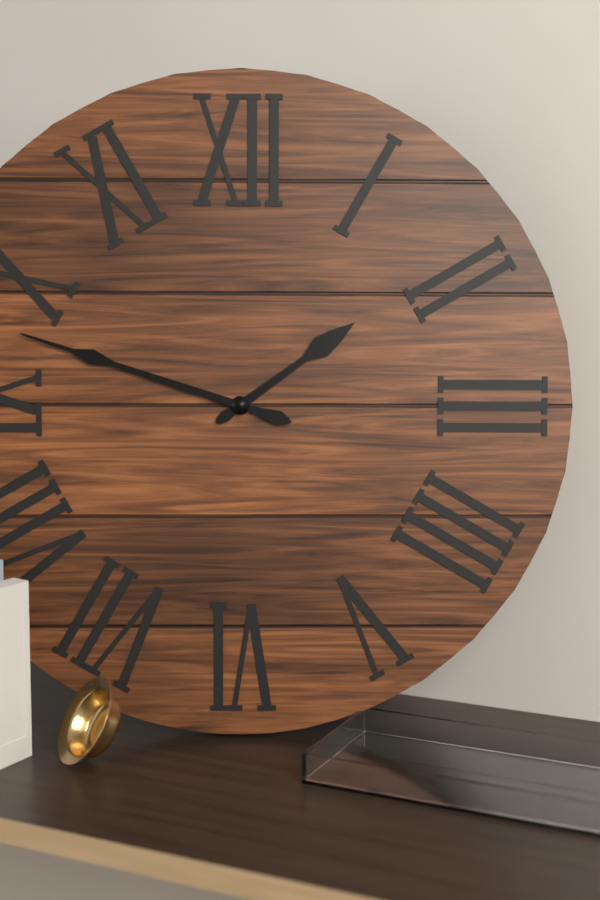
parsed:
**1:48**
